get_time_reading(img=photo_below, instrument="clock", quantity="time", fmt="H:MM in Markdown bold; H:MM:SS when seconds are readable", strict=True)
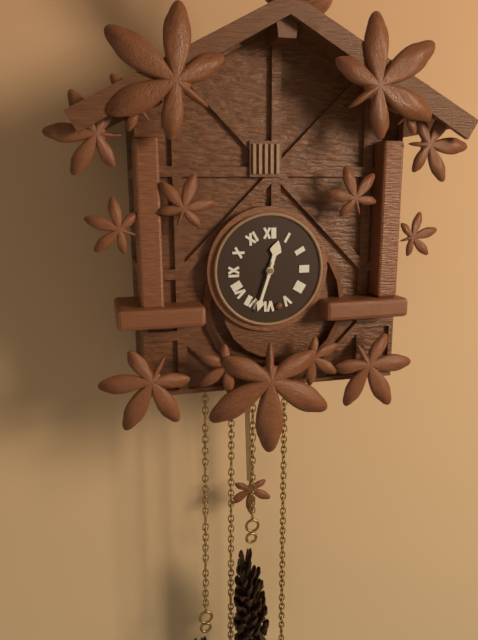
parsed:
**12:33**
